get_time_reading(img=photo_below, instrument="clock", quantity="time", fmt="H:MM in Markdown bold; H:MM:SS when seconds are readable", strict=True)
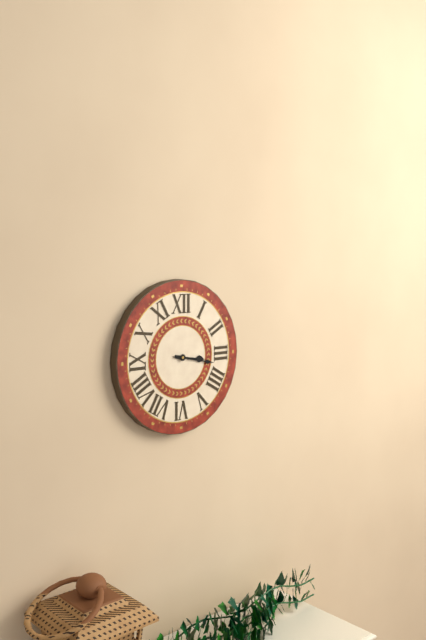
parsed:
**3:17**
